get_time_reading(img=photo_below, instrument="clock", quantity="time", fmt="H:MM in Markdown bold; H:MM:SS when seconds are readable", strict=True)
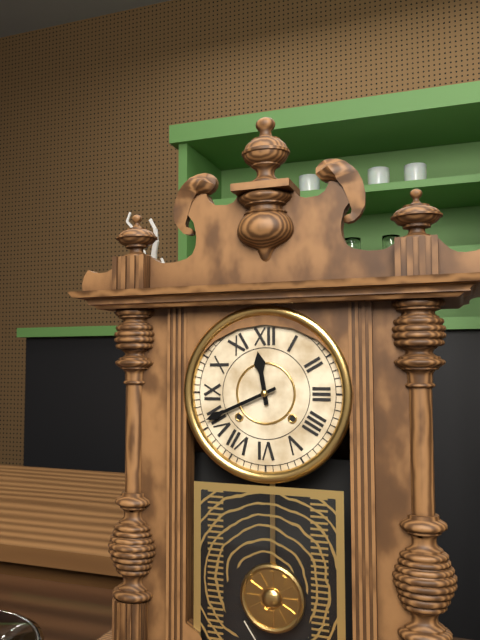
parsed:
**11:41**
